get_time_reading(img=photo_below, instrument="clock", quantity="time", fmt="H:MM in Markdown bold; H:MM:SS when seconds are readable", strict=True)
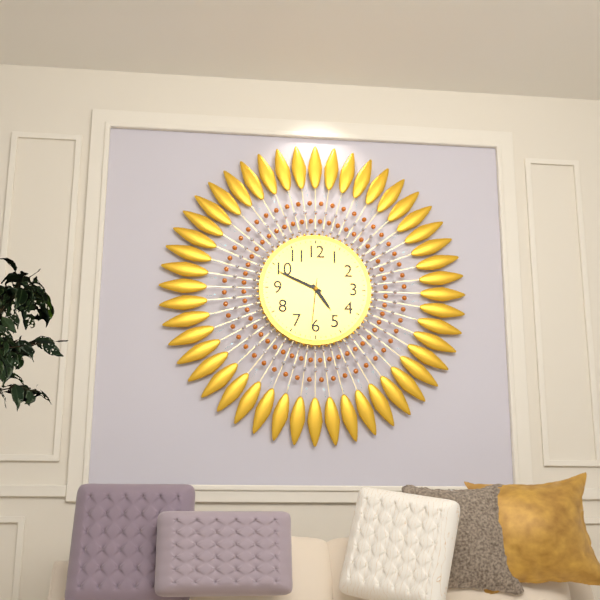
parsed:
**4:49:31**
